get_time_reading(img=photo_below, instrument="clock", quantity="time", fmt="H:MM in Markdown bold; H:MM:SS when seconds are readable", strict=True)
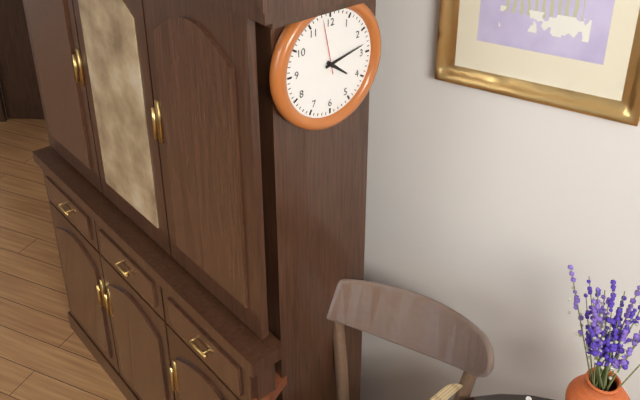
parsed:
**4:13:58**
